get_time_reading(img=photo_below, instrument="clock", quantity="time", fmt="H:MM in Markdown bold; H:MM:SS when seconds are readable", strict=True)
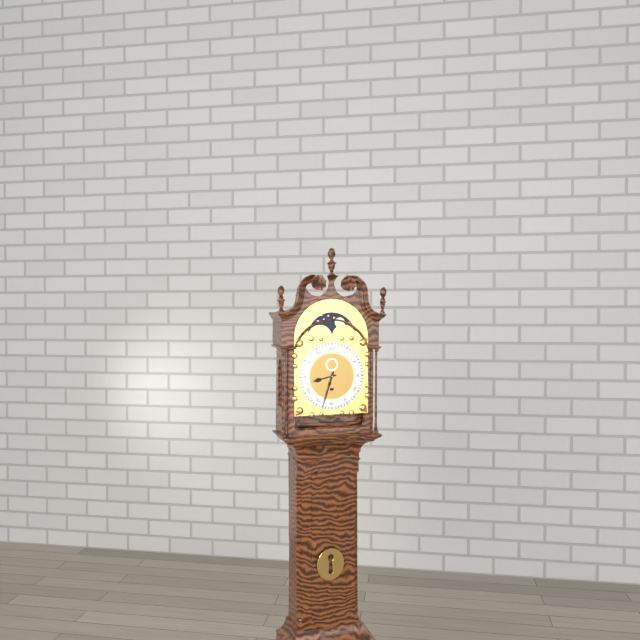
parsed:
**8:33**
